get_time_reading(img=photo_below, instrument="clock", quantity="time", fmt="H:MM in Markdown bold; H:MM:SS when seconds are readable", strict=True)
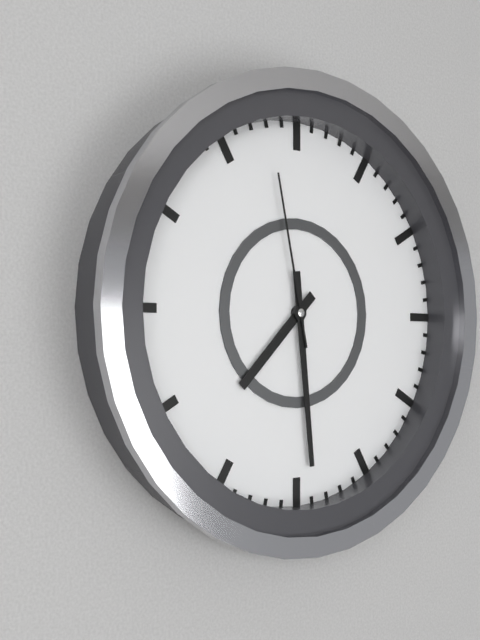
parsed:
**7:29:58**
